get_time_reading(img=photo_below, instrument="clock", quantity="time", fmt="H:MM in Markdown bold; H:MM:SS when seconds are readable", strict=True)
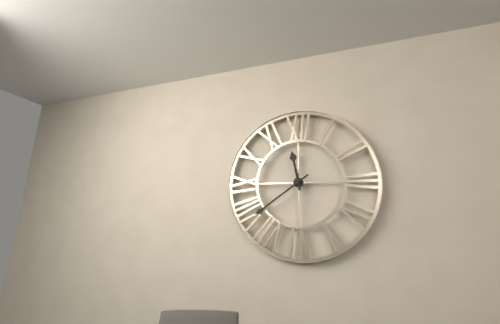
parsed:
**11:39**
